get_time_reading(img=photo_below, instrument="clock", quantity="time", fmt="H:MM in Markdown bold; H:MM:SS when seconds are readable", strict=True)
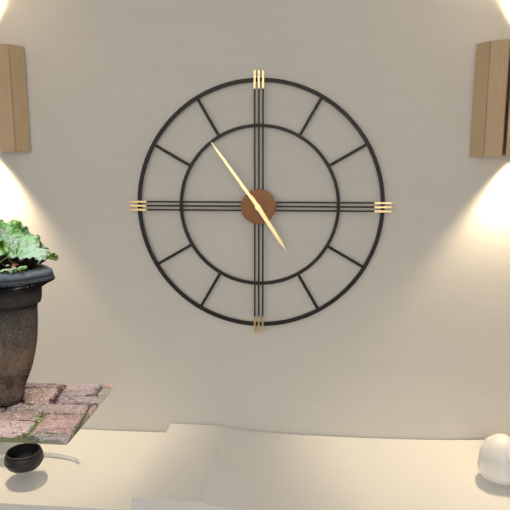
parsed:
**4:54**
